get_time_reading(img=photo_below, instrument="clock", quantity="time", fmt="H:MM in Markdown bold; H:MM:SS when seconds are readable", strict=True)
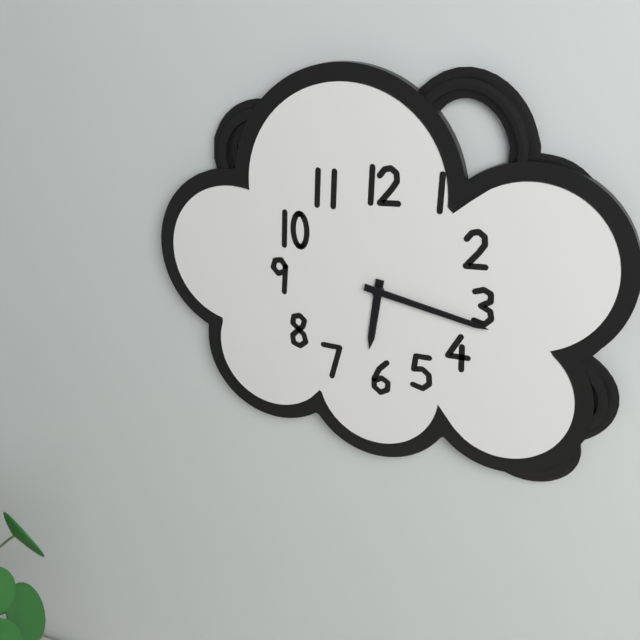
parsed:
**6:17**
